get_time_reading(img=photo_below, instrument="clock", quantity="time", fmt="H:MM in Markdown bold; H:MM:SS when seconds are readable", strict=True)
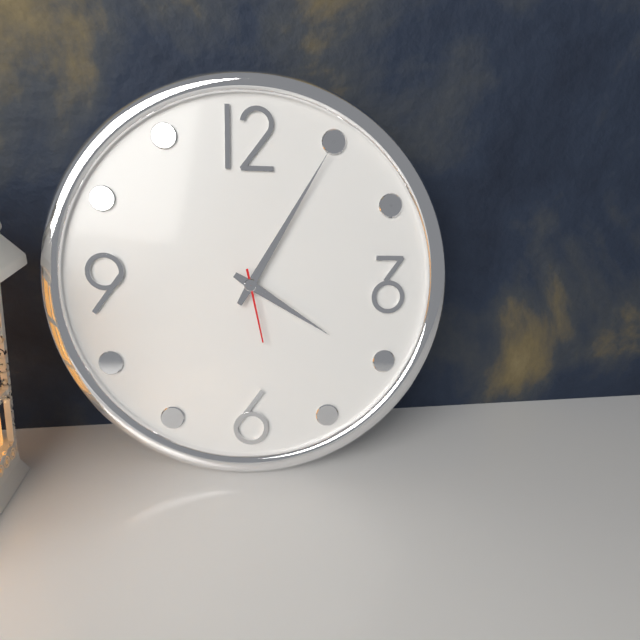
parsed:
**4:05:28**
